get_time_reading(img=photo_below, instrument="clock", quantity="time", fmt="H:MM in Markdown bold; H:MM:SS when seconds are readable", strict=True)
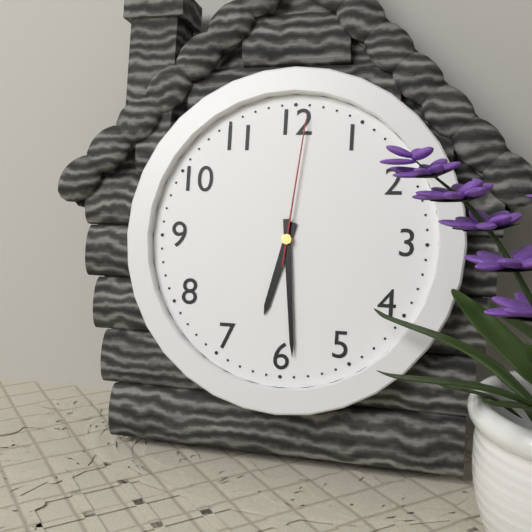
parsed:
**6:29:01**
